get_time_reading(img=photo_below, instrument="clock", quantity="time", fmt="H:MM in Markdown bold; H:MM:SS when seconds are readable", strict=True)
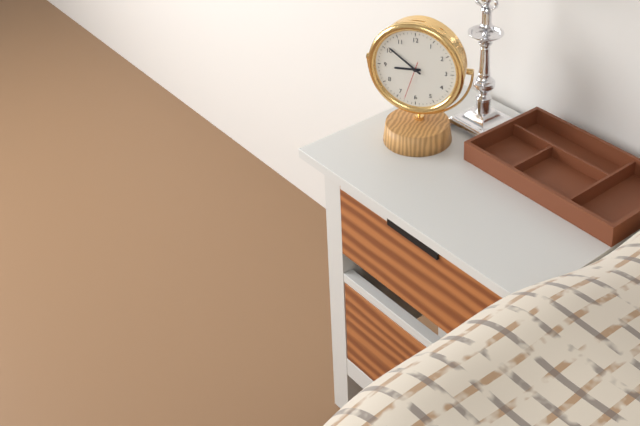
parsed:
**8:51**
